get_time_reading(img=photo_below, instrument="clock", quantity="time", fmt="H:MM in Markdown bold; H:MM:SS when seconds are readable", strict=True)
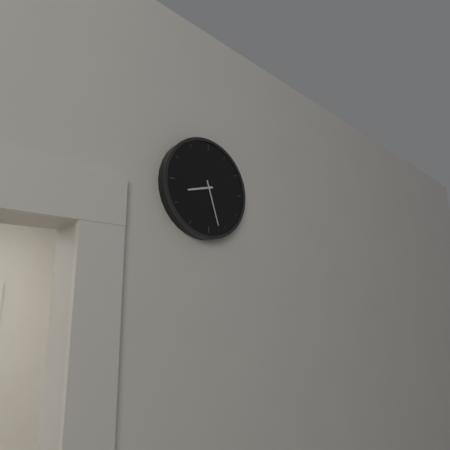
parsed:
**8:27**
